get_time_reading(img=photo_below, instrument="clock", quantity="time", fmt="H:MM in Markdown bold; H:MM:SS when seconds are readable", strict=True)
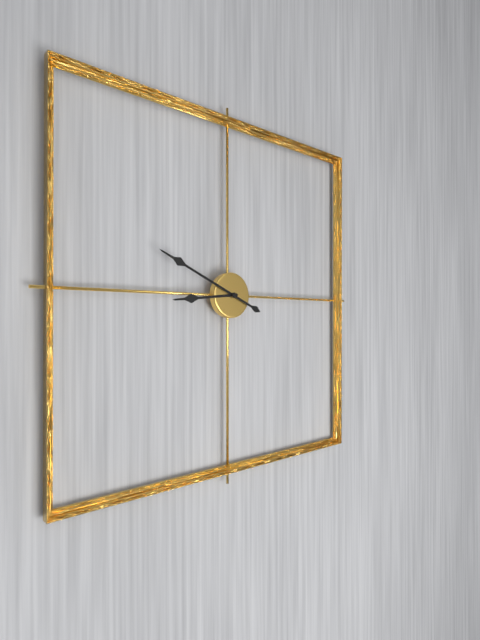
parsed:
**8:49**
